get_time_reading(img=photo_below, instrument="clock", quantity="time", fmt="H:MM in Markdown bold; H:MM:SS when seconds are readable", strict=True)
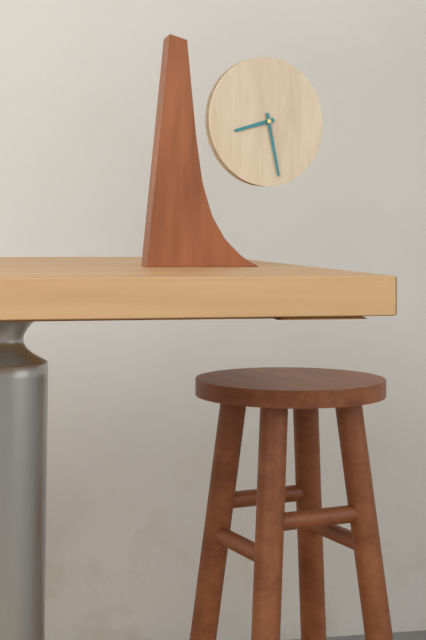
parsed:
**8:28**
